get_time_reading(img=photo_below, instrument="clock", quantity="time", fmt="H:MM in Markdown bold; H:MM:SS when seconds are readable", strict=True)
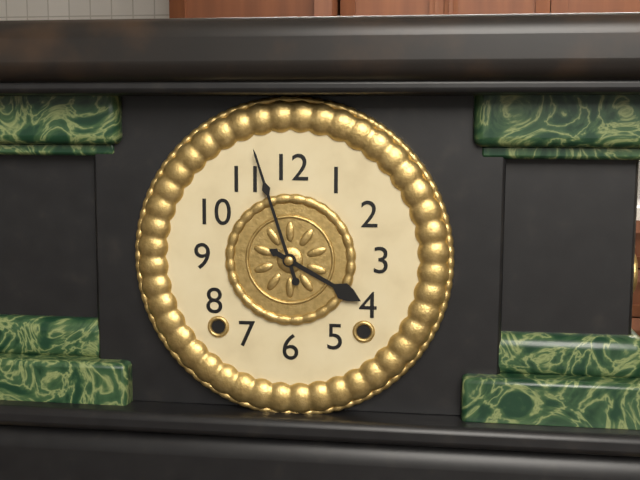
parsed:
**3:57**
